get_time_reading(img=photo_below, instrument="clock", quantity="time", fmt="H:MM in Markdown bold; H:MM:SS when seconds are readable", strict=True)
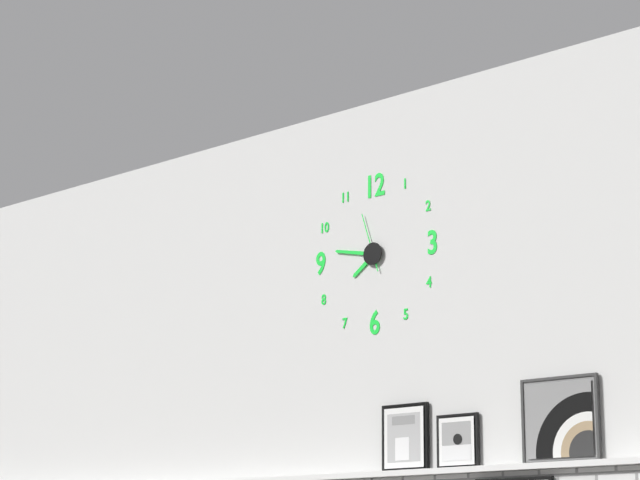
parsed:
**7:47:57**
